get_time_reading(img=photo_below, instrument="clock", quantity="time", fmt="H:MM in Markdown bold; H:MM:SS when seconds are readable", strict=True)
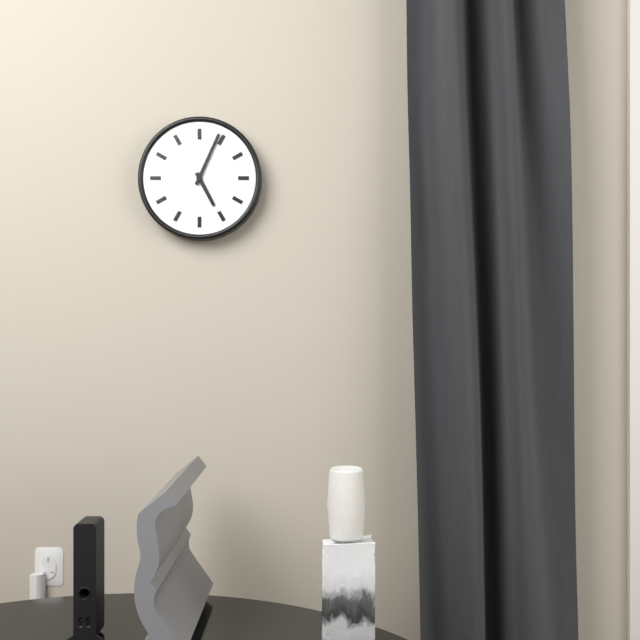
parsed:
**5:04**
